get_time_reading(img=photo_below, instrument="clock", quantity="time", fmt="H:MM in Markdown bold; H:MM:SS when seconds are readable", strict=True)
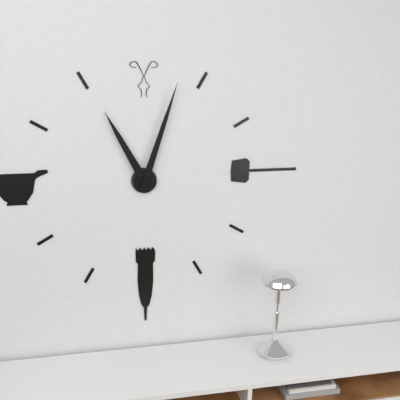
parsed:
**11:03**
